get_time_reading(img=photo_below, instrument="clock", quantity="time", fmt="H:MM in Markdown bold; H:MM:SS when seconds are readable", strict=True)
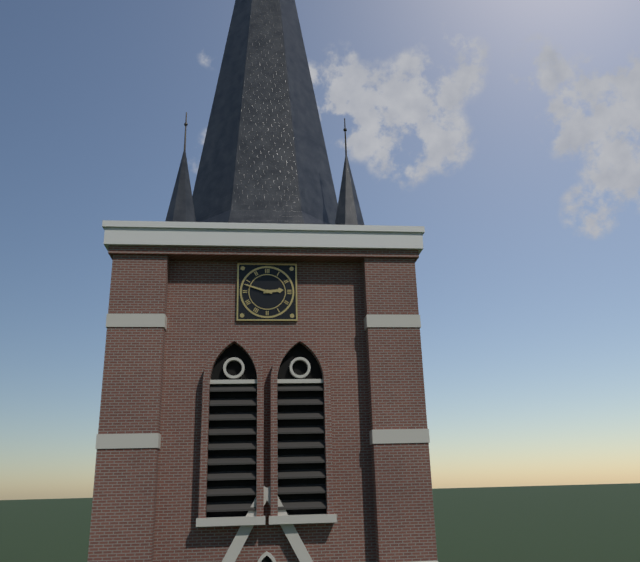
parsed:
**2:48**
